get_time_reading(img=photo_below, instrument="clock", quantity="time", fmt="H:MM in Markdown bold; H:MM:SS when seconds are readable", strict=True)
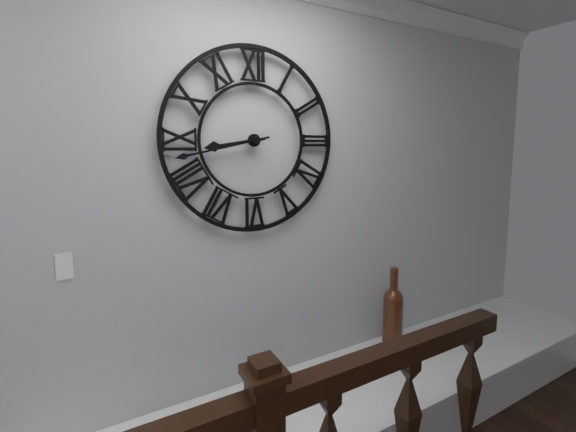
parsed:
**8:43**
